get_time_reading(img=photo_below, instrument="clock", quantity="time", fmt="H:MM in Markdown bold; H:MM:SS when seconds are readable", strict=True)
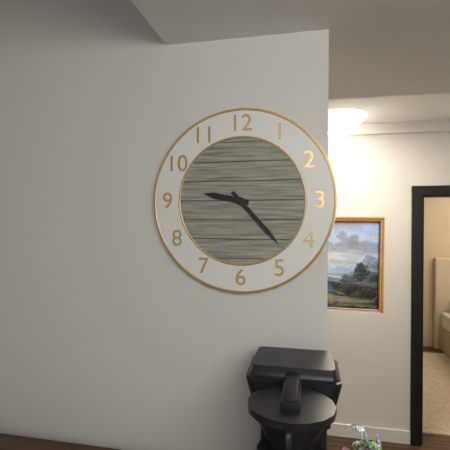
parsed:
**9:23**
